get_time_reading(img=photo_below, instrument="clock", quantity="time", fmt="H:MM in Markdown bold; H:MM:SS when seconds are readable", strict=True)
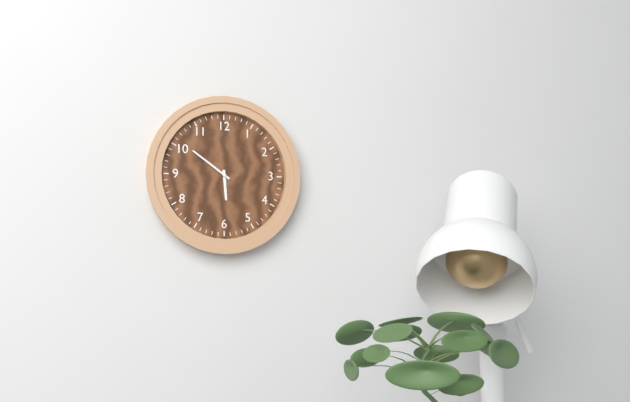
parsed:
**5:51**
